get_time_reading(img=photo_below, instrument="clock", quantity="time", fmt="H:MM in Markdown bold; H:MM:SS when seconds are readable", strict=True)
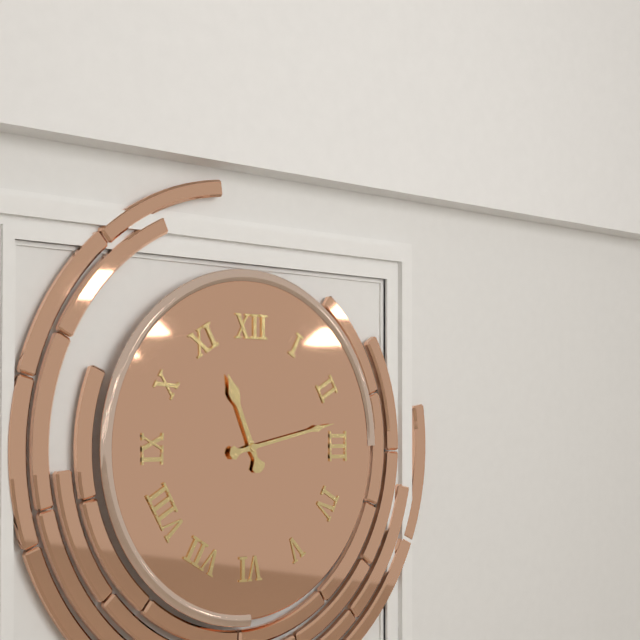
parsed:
**11:13**
